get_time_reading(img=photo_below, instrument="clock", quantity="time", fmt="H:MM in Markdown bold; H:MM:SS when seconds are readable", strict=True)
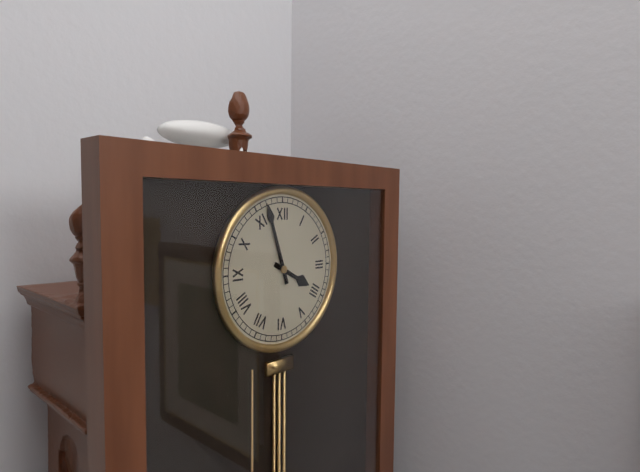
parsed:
**3:57**
